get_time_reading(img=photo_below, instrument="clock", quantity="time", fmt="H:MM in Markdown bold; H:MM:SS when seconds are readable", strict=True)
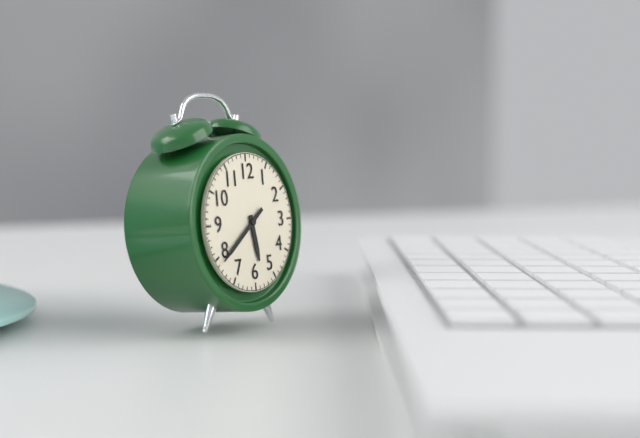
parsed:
**5:39**
